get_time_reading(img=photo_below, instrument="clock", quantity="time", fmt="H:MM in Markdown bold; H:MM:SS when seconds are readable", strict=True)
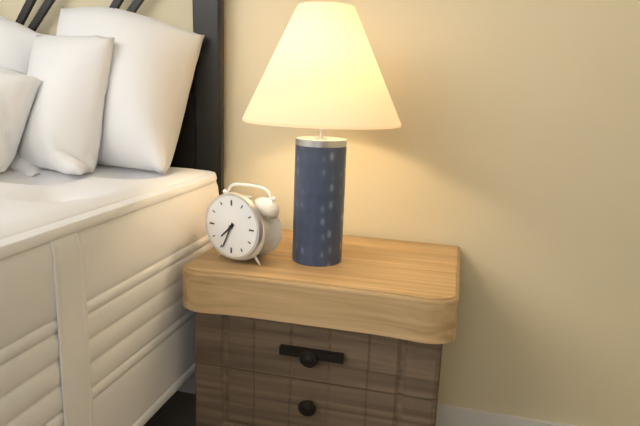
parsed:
**7:34**
